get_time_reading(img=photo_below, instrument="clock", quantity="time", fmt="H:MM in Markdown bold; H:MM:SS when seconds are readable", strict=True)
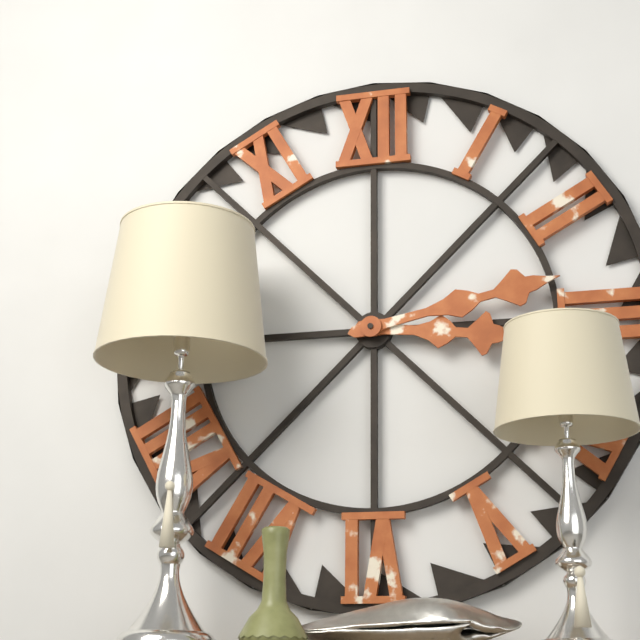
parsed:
**3:13**
